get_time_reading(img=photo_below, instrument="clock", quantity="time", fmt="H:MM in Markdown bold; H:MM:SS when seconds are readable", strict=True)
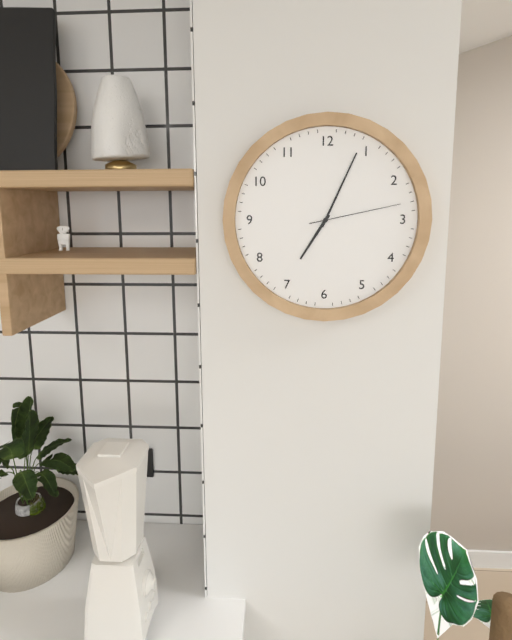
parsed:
**7:04:13**
